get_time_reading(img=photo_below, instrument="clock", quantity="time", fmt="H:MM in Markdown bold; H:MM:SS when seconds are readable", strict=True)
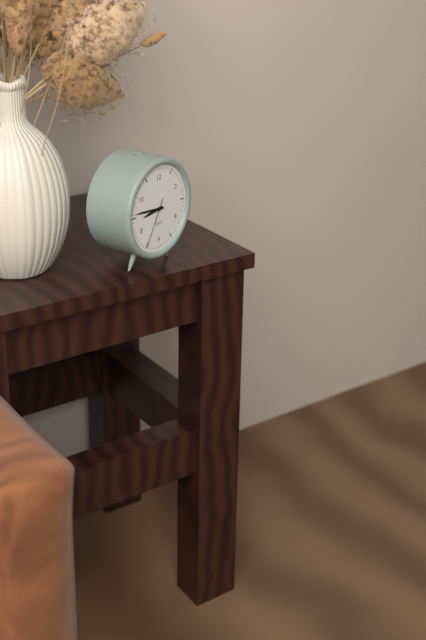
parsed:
**8:46:35**
